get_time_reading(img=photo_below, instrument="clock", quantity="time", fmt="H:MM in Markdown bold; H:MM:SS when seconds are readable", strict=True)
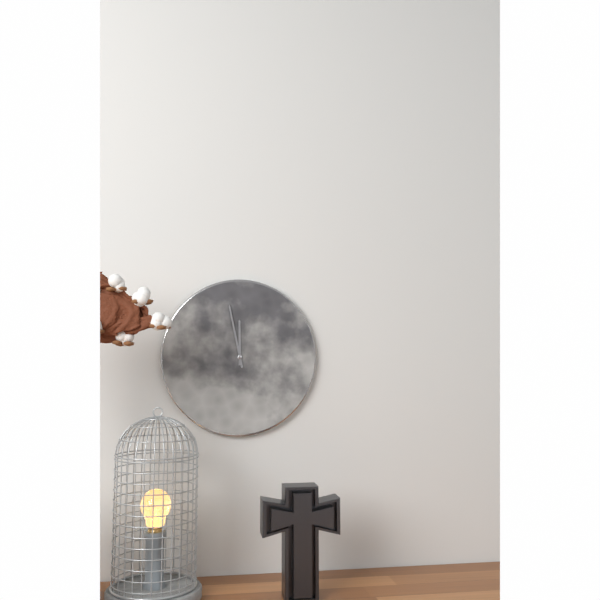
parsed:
**11:58**
